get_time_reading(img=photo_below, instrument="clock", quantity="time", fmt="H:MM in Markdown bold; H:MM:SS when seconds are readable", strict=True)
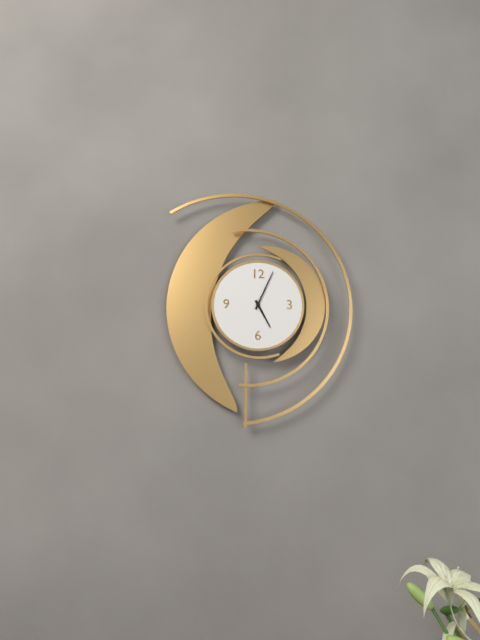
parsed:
**5:04**
